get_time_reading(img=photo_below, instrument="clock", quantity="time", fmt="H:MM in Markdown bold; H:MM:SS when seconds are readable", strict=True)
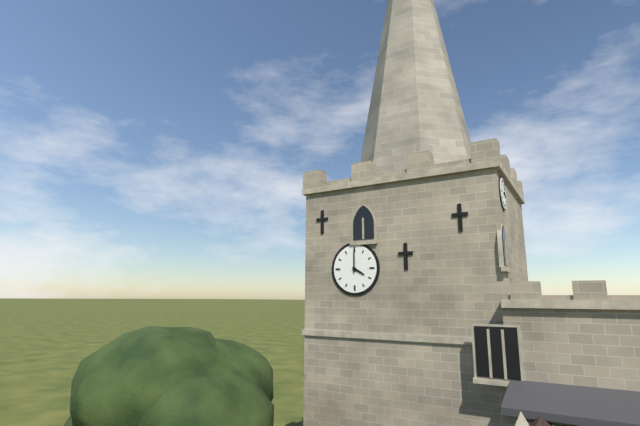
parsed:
**4:00**
